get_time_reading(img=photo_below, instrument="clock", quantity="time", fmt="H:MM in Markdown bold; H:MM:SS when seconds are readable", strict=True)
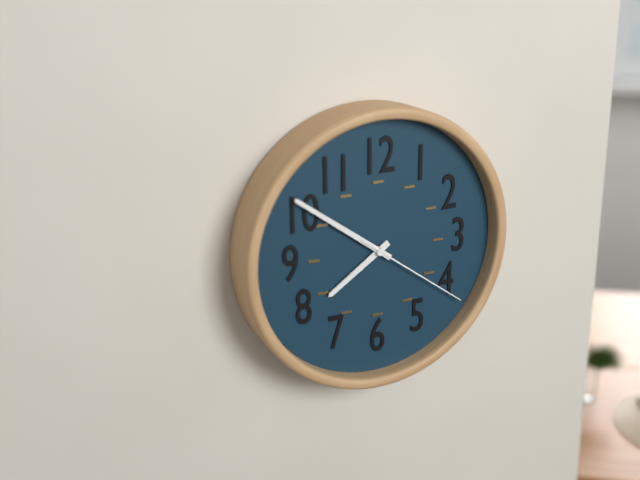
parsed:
**7:51:21**
